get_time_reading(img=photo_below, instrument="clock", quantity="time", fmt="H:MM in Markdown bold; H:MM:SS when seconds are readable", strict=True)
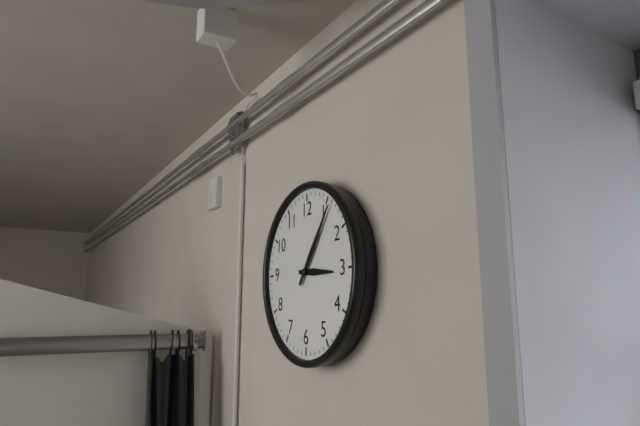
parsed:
**3:06**
